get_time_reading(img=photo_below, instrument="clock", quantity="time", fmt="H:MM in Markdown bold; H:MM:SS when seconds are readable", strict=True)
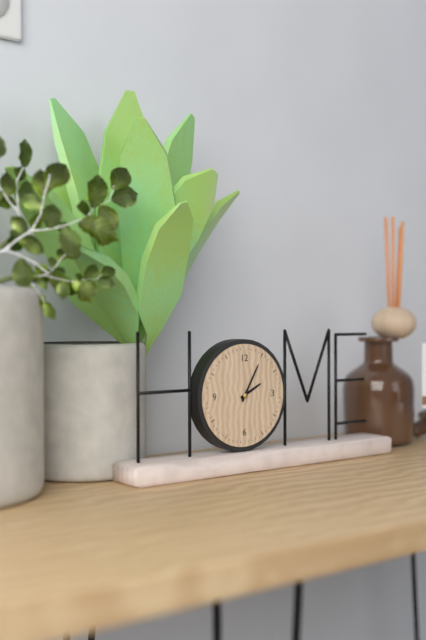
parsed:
**2:05**
